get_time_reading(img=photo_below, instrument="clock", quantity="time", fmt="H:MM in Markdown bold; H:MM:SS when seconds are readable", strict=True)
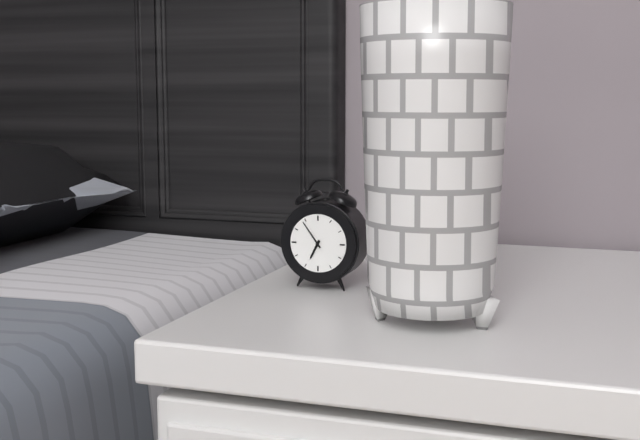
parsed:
**6:54**
